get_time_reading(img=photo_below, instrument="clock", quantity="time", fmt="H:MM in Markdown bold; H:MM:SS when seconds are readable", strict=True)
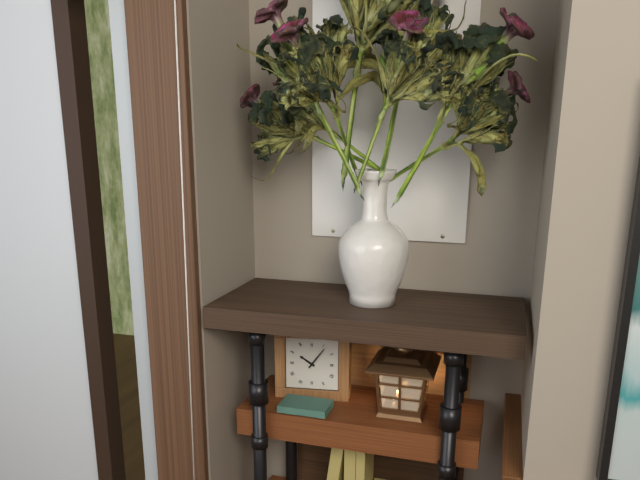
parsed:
**10:06**
